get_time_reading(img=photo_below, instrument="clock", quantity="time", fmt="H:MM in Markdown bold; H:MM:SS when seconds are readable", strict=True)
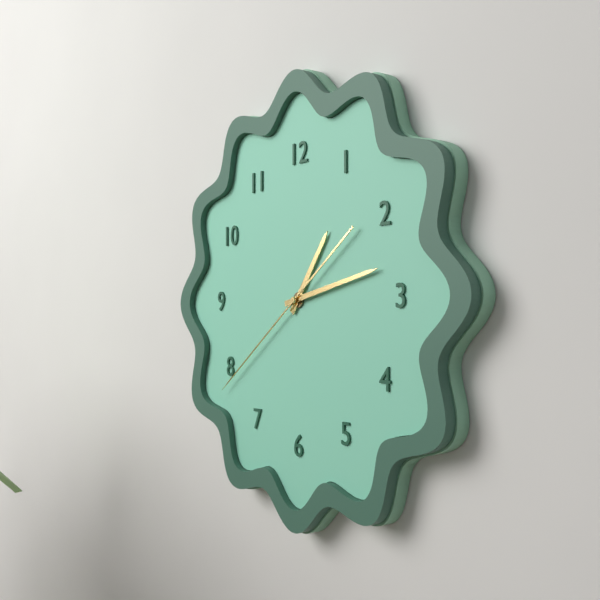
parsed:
**1:13:39**
